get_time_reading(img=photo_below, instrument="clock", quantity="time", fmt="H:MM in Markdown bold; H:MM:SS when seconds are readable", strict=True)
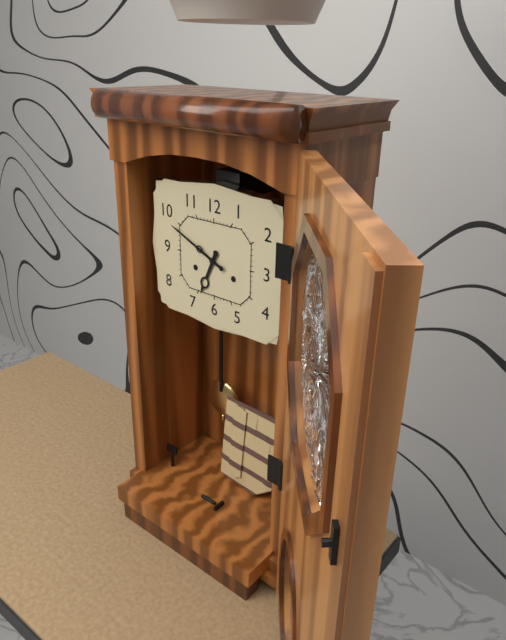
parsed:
**6:49**
